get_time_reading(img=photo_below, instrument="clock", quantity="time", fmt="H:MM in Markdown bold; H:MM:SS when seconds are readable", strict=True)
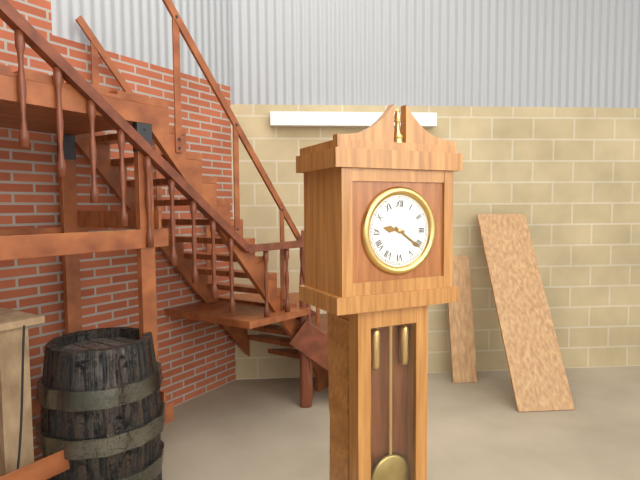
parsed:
**9:21**
